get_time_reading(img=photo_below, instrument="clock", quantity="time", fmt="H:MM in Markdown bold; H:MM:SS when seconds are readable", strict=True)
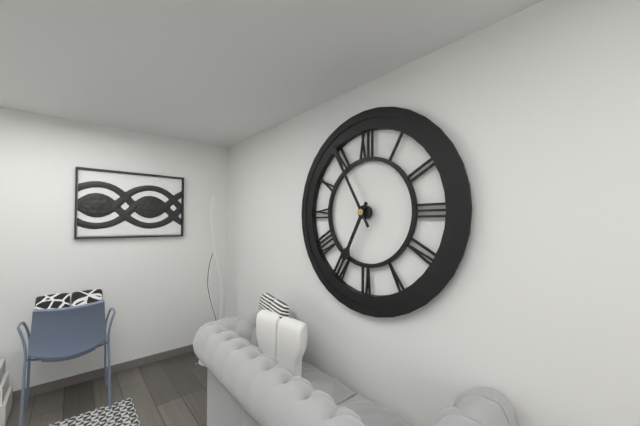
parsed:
**6:55**
